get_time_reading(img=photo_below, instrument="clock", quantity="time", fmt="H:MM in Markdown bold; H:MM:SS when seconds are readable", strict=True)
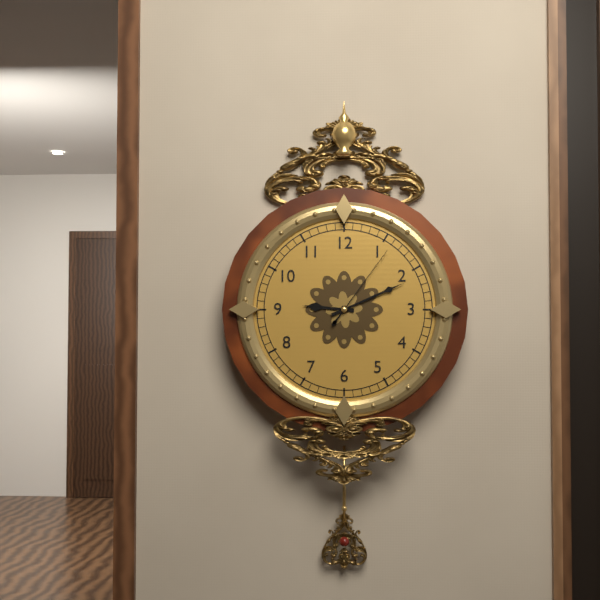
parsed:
**9:11:06**
